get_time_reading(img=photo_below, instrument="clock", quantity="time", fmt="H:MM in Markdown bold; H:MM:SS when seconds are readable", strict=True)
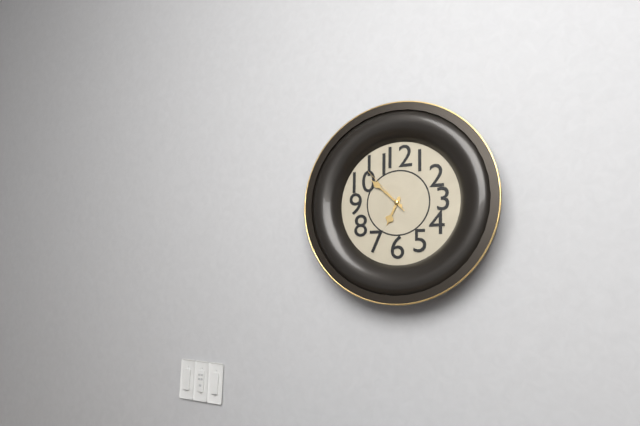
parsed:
**6:52:53**
